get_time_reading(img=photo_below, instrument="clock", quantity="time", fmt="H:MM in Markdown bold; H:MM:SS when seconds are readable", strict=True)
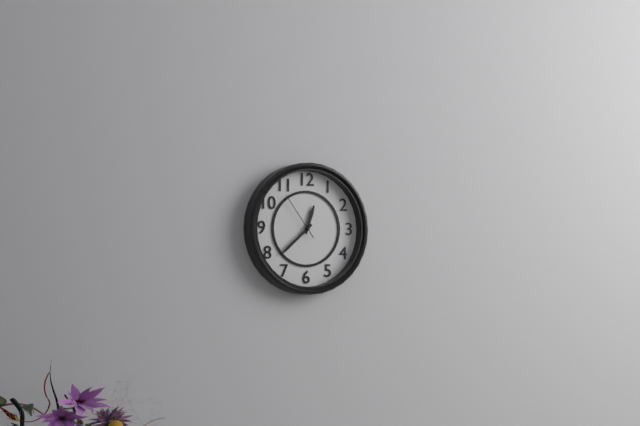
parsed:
**12:38**
